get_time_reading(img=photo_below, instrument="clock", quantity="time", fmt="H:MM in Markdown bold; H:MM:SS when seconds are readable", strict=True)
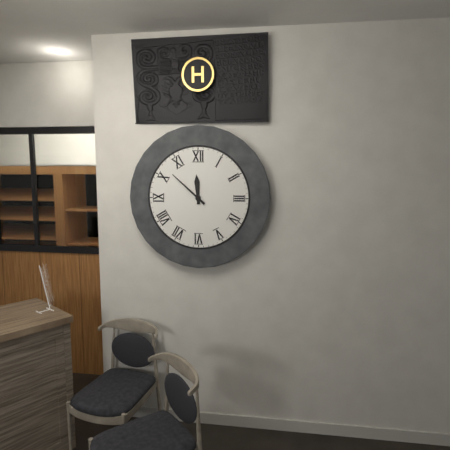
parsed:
**11:52**
